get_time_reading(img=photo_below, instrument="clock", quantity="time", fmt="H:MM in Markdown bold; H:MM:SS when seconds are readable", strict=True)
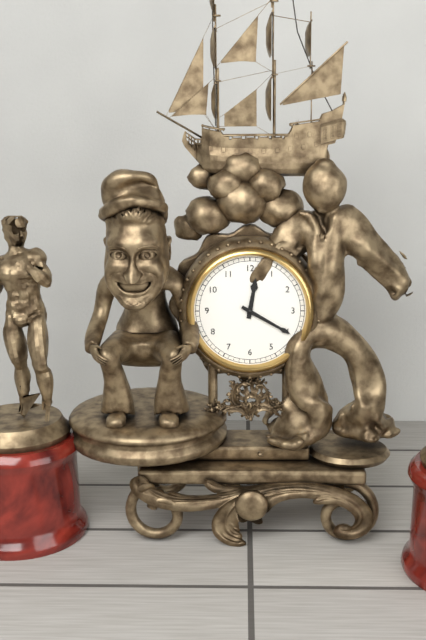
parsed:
**12:20**
